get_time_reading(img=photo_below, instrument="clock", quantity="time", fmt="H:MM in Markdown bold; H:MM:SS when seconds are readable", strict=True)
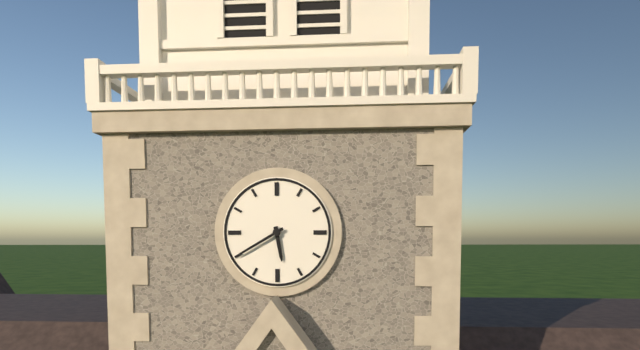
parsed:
**5:40**
